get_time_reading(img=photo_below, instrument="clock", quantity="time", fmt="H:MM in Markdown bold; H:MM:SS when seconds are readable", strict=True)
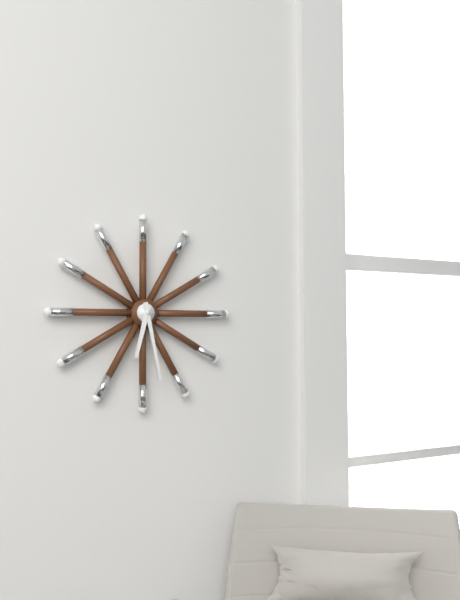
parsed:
**6:28**
